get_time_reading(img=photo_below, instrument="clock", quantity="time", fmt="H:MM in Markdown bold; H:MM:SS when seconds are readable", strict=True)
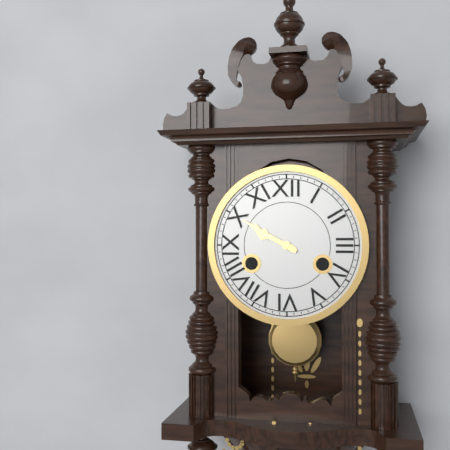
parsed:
**9:50**
